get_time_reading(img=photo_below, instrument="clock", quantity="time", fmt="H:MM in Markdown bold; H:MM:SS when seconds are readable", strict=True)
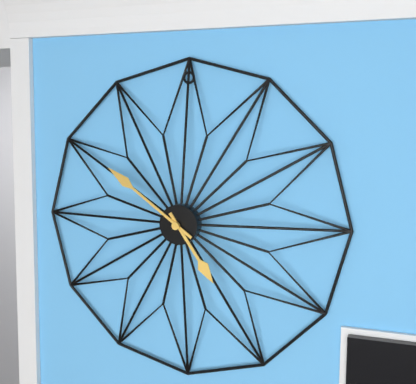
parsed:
**4:51**
